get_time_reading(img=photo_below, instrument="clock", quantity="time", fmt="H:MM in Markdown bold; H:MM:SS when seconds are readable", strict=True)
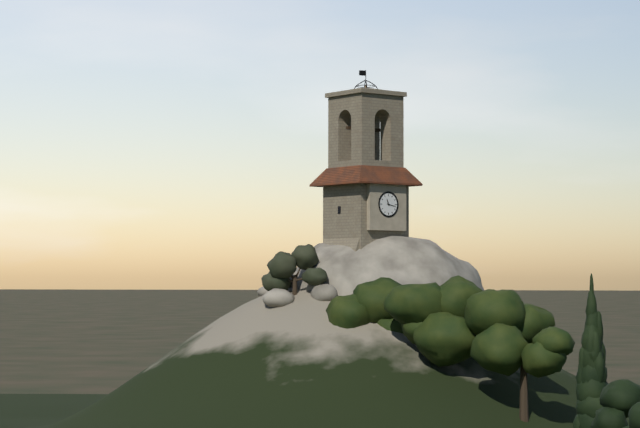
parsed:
**11:17**
